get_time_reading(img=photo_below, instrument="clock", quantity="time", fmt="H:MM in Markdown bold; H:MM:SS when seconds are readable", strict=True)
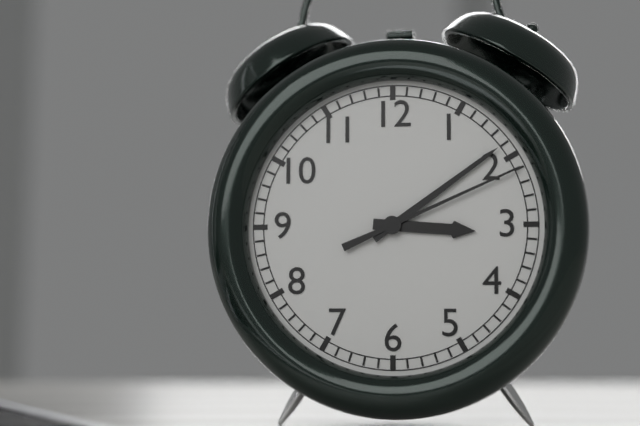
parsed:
**3:09:11**
